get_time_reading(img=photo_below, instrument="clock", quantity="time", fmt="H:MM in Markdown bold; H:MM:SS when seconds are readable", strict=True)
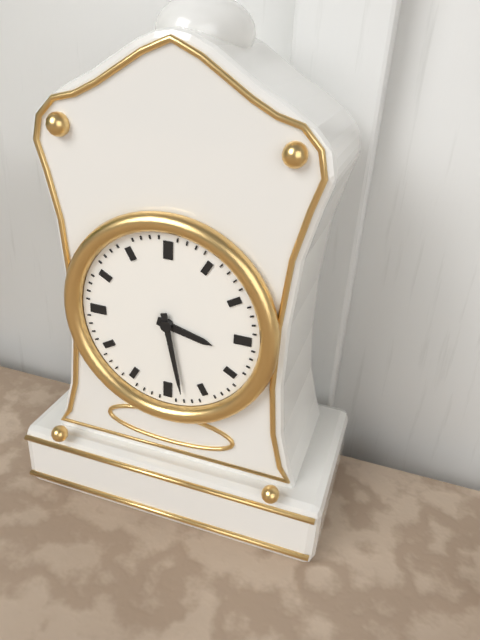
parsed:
**3:28**
